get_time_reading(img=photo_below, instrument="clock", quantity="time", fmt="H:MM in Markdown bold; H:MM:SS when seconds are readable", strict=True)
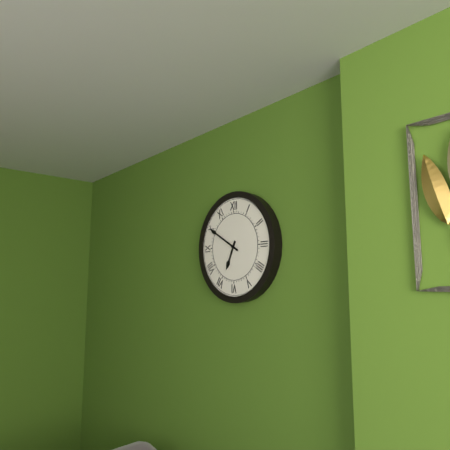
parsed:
**6:50**
